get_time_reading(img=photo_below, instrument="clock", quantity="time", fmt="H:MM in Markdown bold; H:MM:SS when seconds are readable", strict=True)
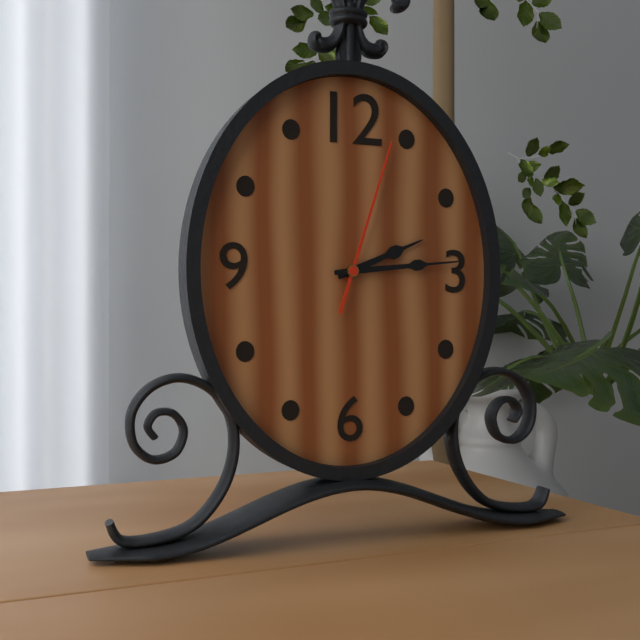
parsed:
**2:14:03**
